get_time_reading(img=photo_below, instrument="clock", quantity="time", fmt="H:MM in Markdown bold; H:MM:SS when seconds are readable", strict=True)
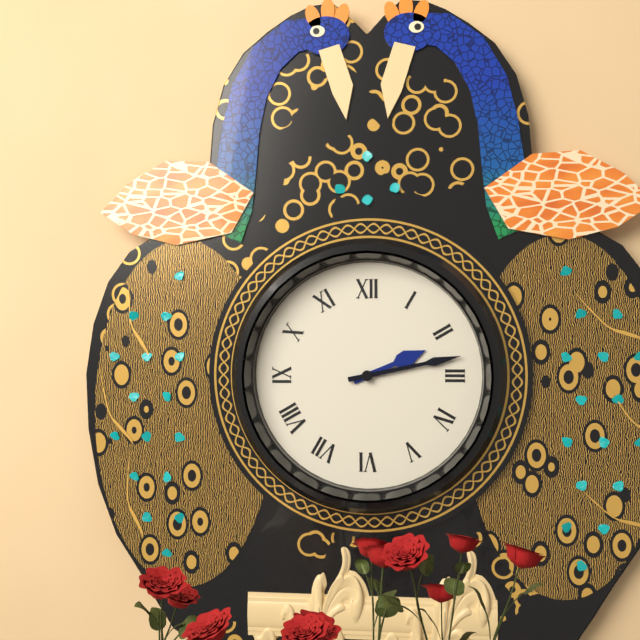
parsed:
**2:13**
